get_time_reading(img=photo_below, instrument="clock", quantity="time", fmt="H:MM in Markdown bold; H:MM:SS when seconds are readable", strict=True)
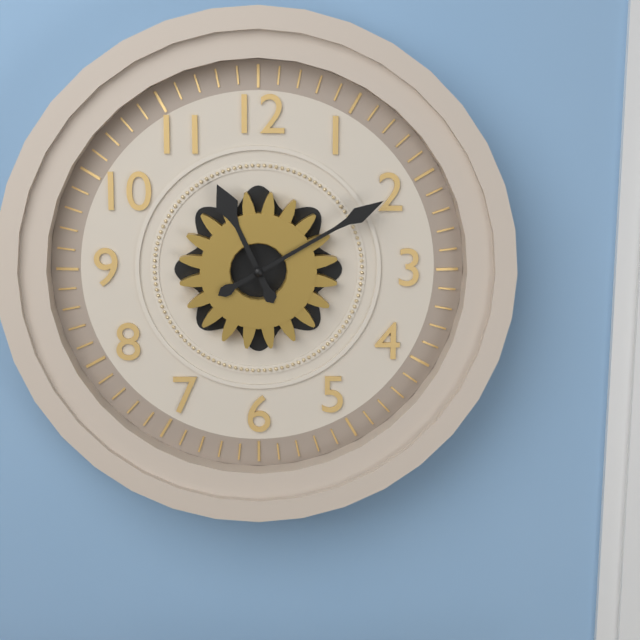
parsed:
**11:10**
